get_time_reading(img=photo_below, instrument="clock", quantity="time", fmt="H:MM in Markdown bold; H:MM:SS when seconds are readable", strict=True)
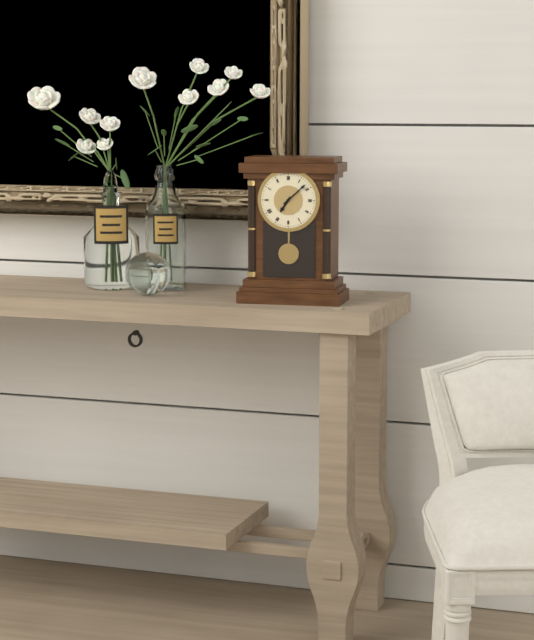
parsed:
**7:08**
